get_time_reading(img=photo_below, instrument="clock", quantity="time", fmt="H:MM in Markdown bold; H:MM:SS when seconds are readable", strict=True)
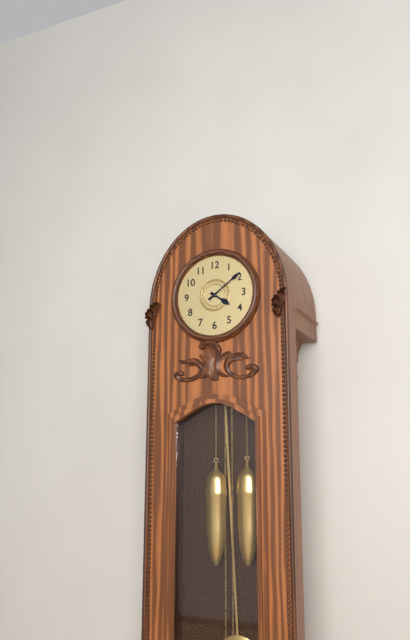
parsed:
**4:09**
